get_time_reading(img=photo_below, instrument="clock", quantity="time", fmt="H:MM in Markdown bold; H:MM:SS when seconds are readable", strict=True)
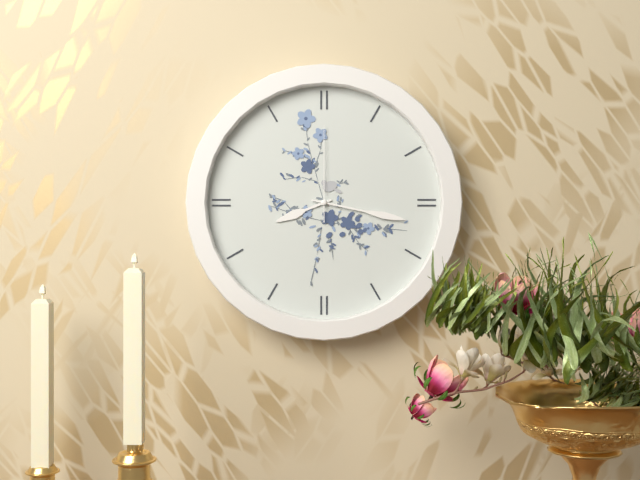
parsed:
**8:17:00**
